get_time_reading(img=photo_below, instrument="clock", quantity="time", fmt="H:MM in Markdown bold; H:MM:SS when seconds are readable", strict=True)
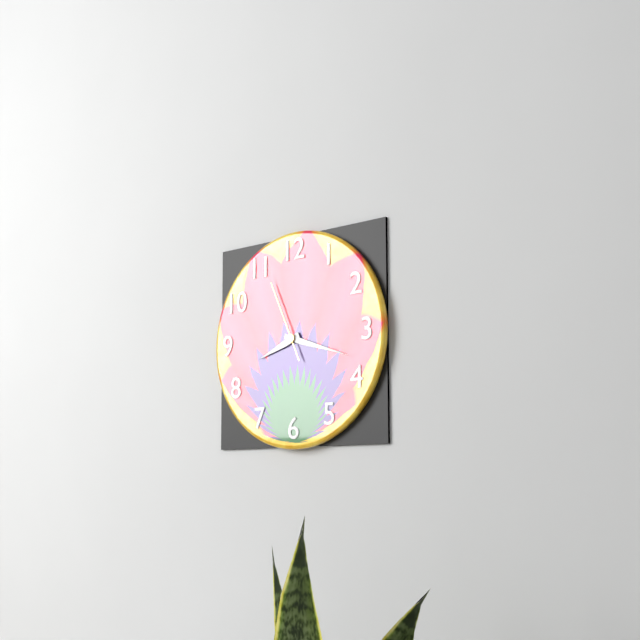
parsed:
**8:18:56**
